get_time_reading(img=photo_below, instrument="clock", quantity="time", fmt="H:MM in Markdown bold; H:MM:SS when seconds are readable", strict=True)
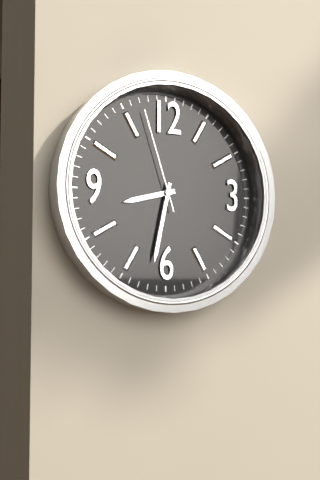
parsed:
**8:32:57**
